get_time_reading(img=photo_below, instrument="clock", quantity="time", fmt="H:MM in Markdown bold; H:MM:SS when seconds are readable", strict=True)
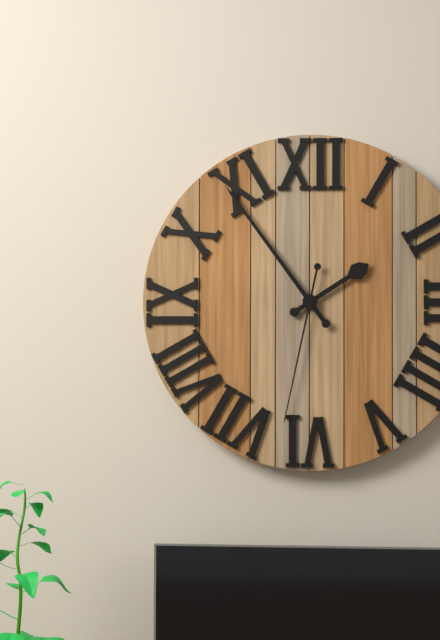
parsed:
**1:54:32**
